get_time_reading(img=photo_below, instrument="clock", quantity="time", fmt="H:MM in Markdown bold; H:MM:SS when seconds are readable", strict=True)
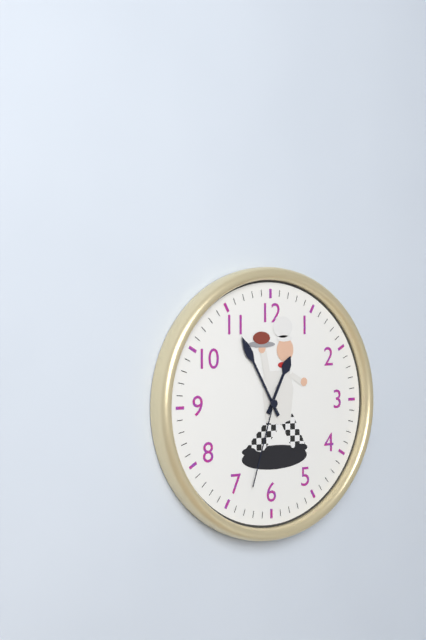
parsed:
**12:55:33**
